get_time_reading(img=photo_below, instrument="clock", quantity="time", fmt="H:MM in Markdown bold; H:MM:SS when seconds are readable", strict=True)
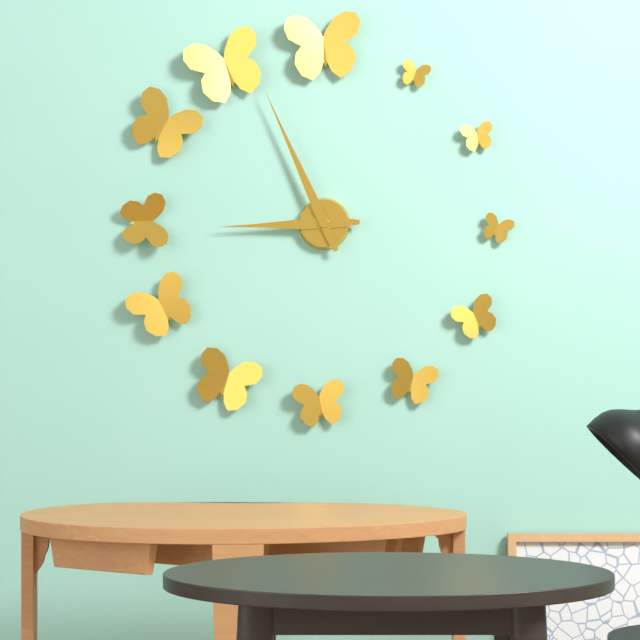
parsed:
**8:56**
